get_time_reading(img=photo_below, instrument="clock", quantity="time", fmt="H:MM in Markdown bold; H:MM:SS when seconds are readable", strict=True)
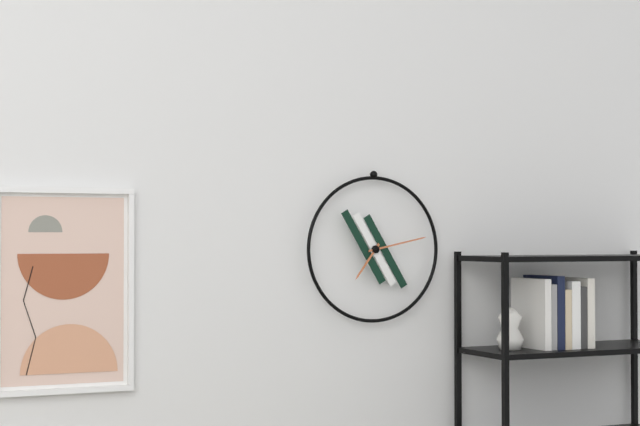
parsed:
**7:13**
